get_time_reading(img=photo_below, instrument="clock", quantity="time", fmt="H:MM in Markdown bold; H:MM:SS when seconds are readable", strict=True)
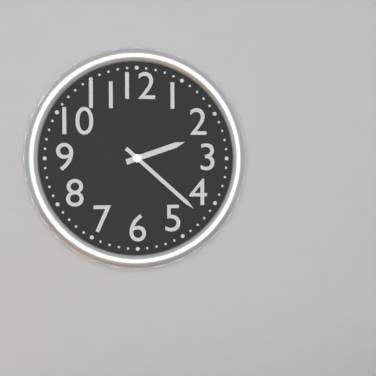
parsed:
**2:22**
